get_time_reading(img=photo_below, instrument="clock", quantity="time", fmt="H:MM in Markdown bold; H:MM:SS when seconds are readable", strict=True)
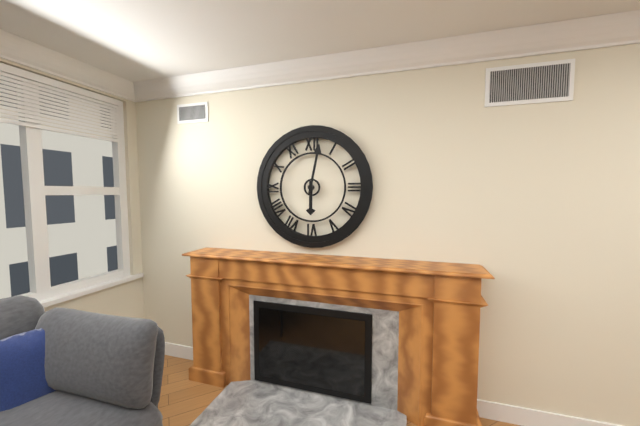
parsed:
**6:02**
